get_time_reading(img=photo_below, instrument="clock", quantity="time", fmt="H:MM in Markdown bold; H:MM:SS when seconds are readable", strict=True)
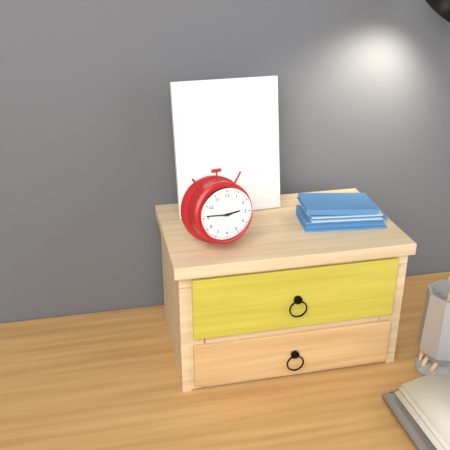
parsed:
**2:46**
